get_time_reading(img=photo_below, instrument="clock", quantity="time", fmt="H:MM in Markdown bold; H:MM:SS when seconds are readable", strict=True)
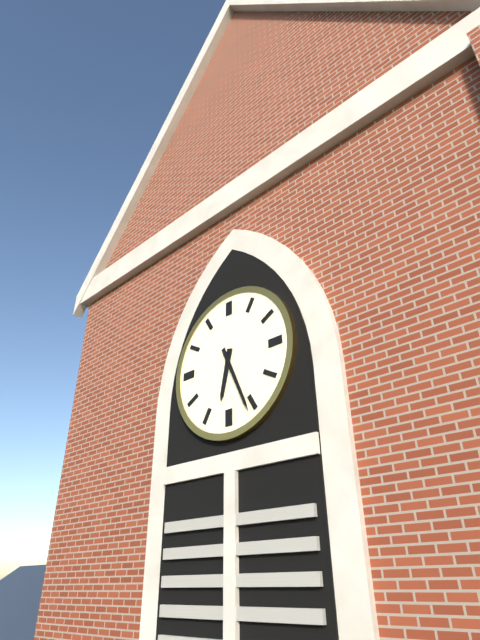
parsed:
**6:26**
